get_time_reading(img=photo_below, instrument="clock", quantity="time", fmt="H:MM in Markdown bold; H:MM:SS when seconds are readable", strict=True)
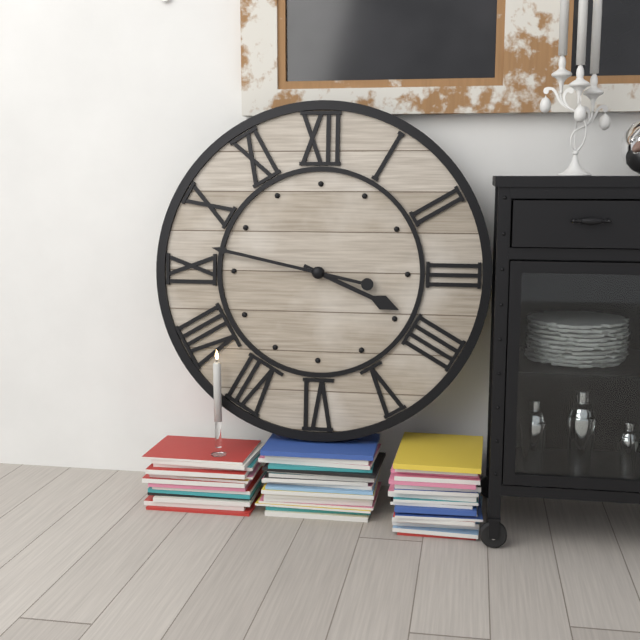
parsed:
**3:47**
